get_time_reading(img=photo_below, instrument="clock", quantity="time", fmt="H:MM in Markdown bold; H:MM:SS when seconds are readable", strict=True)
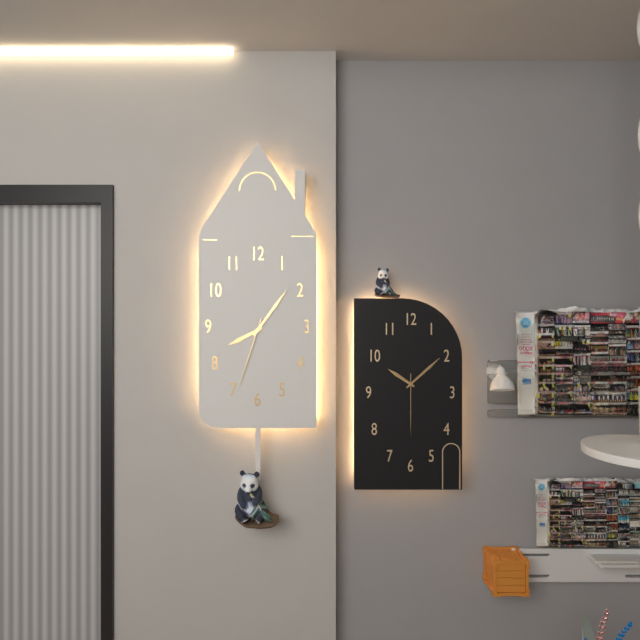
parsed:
**8:06:33**
